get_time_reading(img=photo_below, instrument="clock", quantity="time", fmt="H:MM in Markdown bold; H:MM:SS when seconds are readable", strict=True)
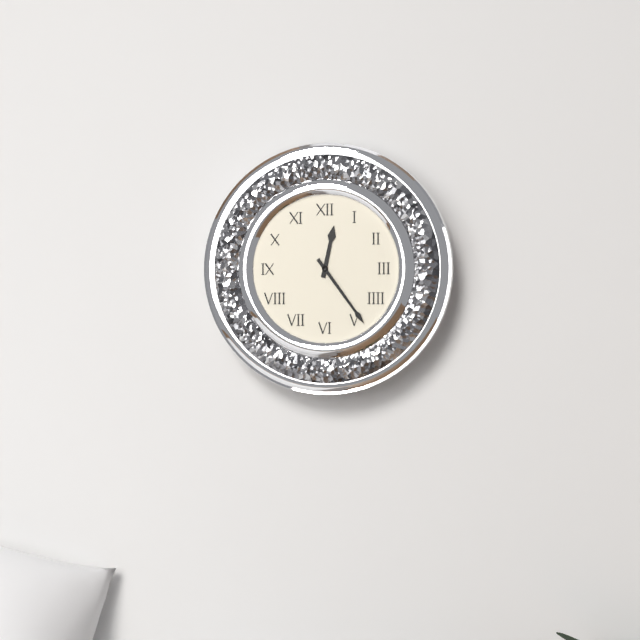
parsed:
**12:24**
